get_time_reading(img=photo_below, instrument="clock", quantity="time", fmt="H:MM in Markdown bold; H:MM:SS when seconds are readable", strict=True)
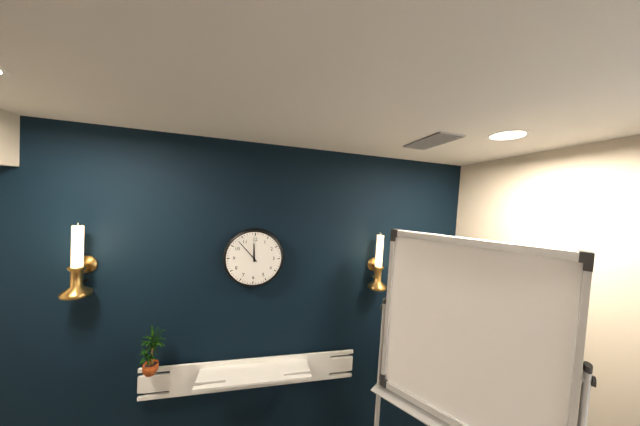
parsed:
**11:53**
